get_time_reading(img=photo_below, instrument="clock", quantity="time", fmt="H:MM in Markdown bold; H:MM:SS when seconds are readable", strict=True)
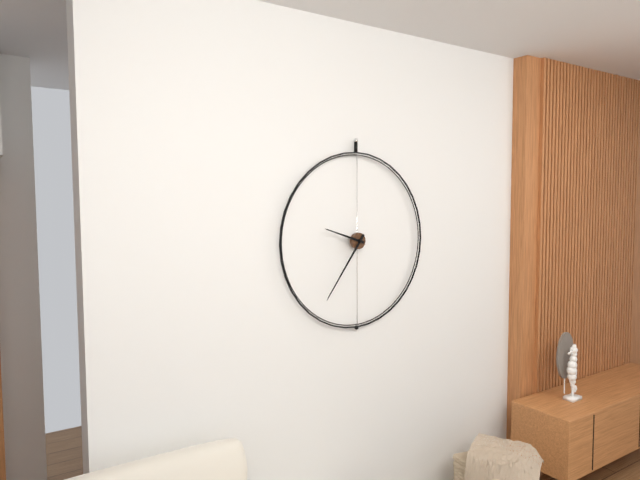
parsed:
**9:36**
